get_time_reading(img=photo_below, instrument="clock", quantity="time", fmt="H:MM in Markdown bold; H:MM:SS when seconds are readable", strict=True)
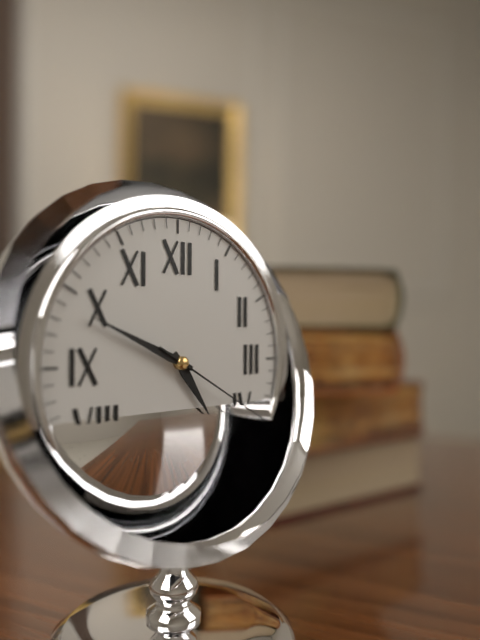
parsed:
**4:49:20**
